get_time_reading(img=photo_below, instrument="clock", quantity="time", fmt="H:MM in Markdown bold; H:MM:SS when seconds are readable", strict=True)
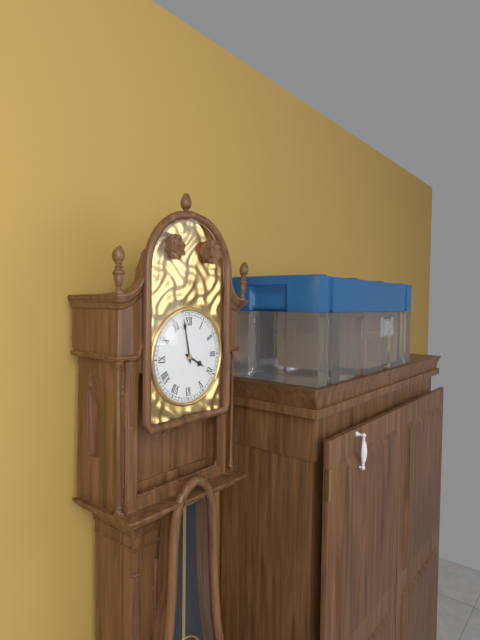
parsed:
**3:58**
